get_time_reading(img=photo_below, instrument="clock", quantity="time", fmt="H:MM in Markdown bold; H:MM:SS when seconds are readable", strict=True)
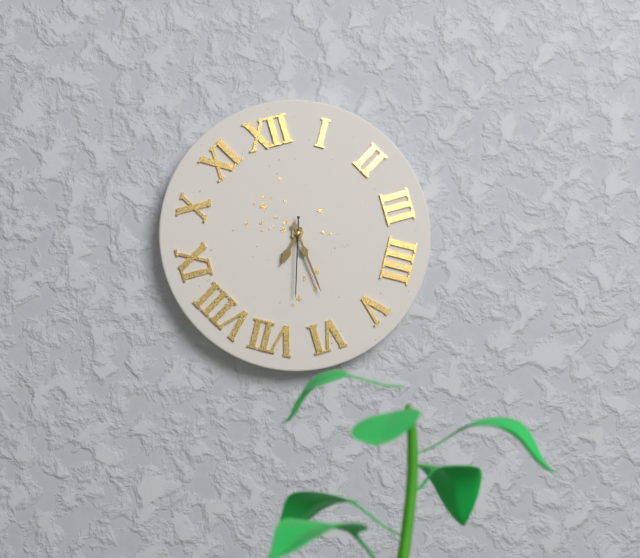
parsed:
**7:29:33**
